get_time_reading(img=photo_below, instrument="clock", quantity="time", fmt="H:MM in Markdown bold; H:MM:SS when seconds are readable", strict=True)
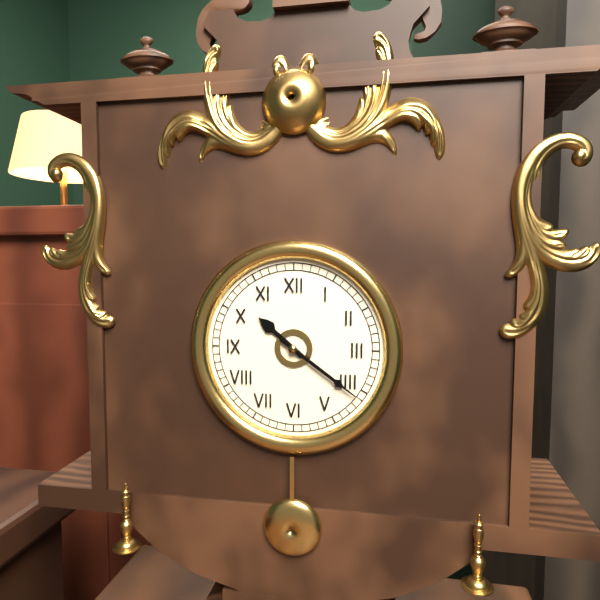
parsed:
**10:21**
